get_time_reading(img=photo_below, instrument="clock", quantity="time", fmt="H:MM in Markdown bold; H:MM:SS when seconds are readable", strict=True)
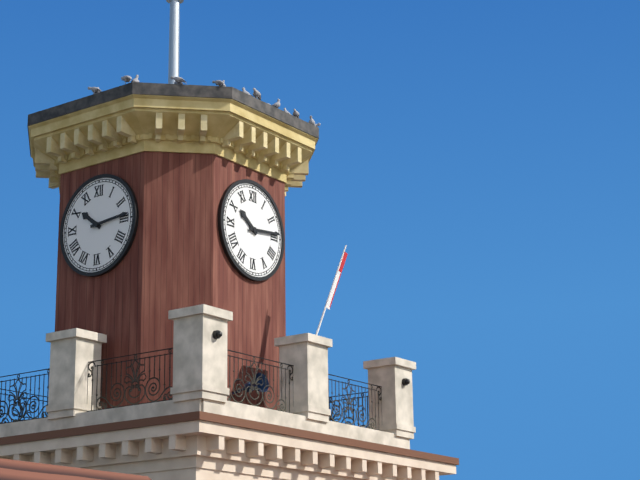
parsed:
**10:14**
